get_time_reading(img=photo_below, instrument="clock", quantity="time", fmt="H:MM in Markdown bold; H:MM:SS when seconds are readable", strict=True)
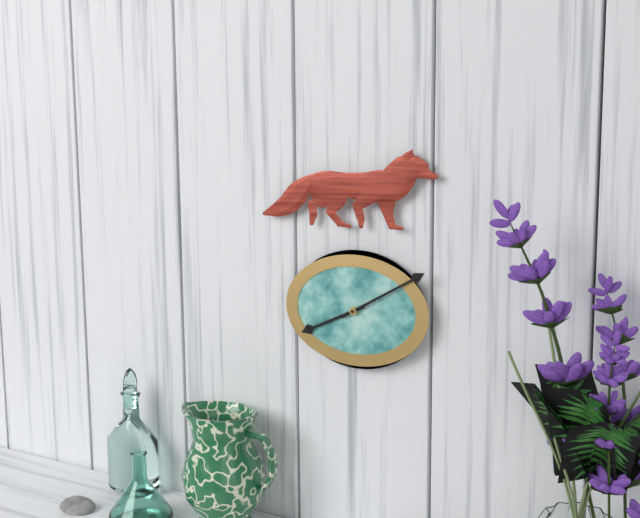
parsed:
**8:10**
